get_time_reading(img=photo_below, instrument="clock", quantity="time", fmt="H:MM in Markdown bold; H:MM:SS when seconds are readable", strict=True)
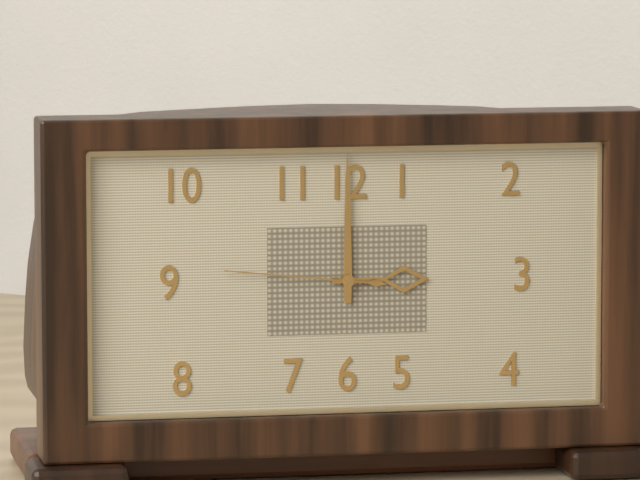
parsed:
**3:00:46**
